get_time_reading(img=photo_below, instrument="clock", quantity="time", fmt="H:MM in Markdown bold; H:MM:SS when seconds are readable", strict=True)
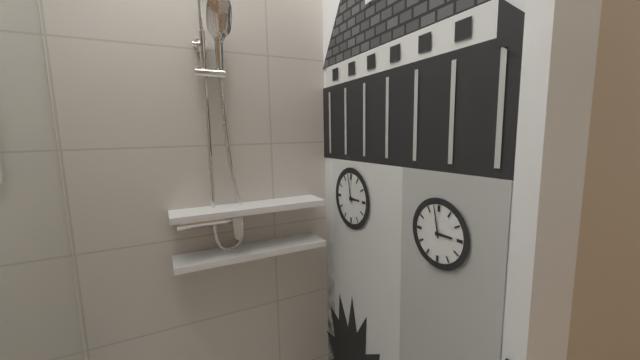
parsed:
**2:58**
